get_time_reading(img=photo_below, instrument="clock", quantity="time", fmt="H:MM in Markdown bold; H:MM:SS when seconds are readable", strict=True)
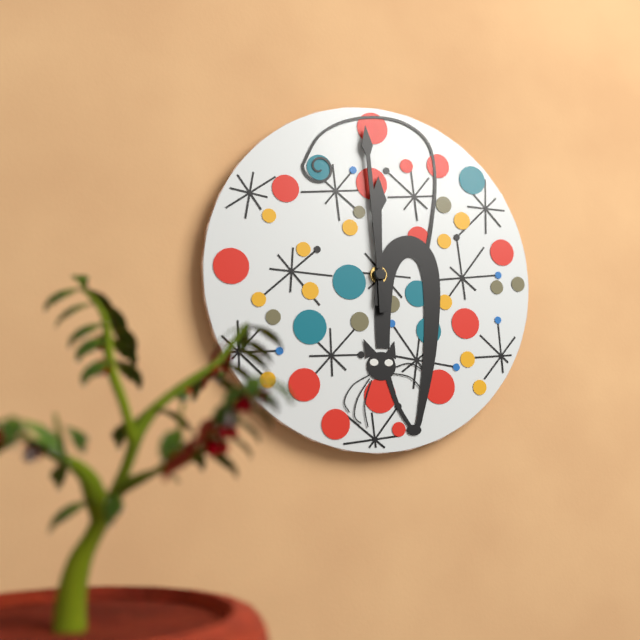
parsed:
**11:59**
